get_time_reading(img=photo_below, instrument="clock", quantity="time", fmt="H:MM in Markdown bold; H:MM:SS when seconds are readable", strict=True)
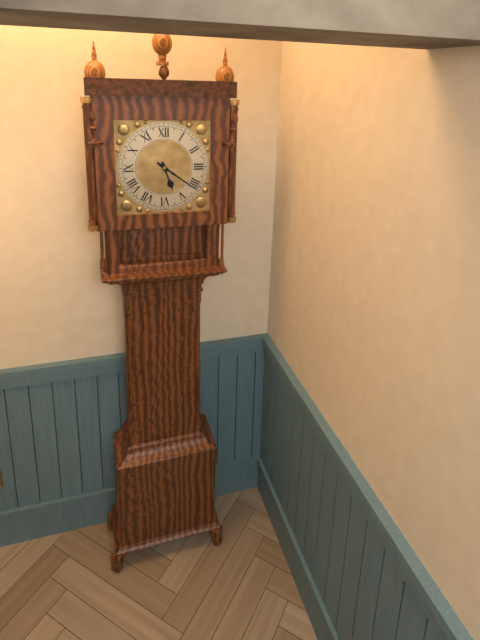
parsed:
**5:21**
